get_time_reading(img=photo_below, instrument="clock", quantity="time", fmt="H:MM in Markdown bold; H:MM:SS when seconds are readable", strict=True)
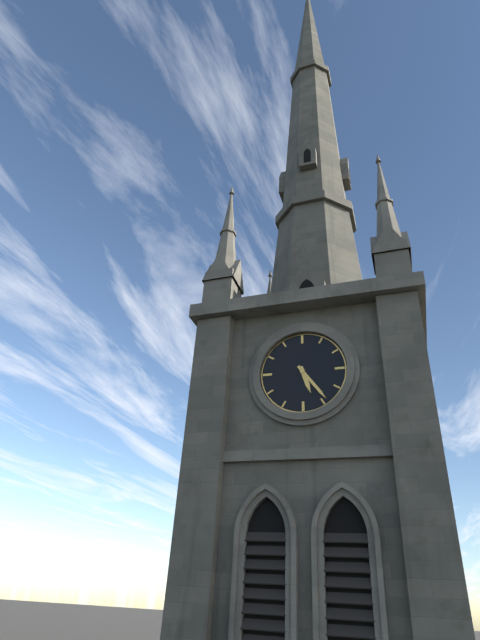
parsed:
**5:24**
